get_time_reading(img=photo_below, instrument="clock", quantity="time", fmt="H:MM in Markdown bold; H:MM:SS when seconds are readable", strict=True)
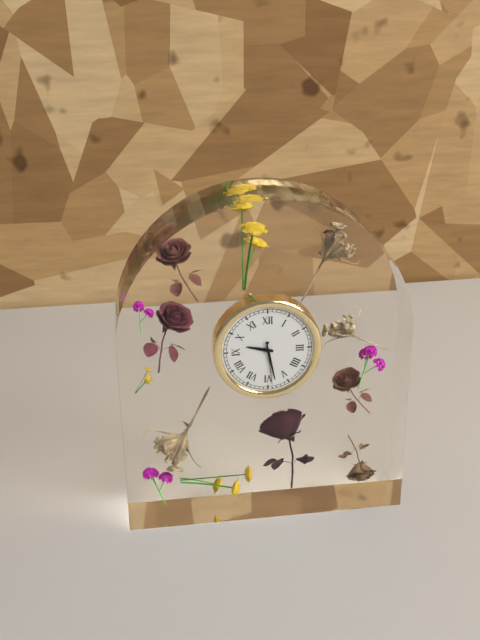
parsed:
**9:28**
